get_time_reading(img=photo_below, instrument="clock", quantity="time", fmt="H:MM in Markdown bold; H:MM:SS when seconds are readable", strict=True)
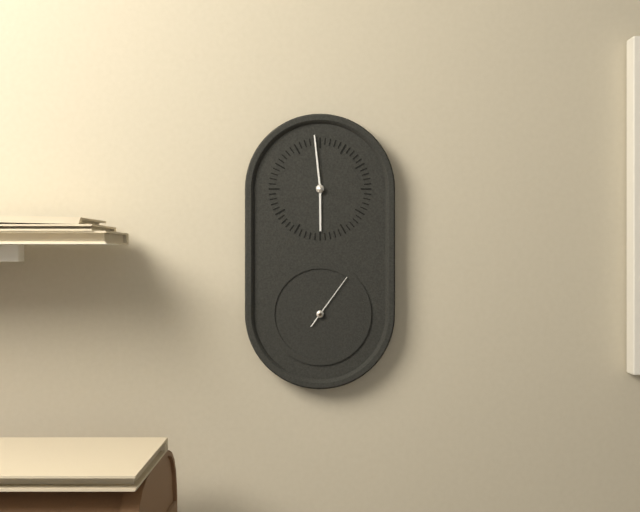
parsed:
**5:59:06**
